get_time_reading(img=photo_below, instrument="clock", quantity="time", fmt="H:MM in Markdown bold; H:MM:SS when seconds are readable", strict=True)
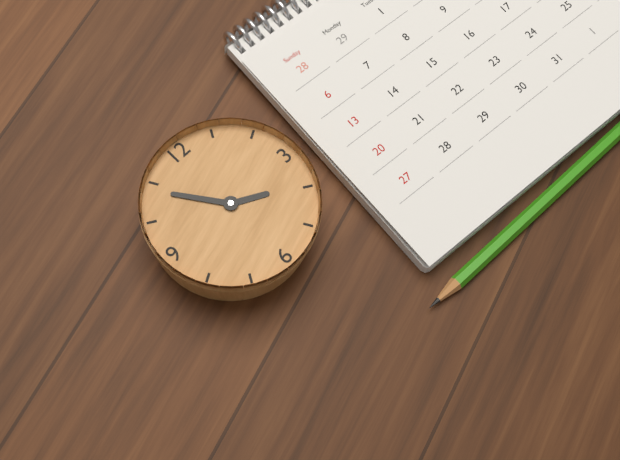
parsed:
**3:54**
